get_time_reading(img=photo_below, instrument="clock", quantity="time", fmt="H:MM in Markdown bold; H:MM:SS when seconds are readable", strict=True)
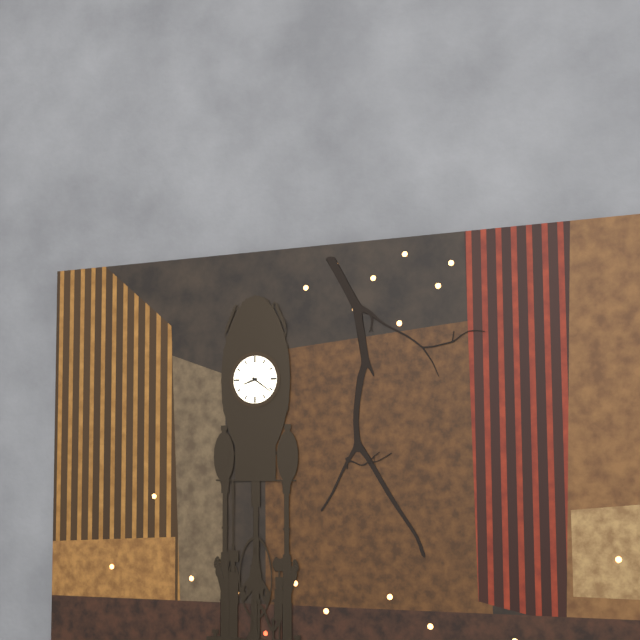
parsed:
**8:21**
